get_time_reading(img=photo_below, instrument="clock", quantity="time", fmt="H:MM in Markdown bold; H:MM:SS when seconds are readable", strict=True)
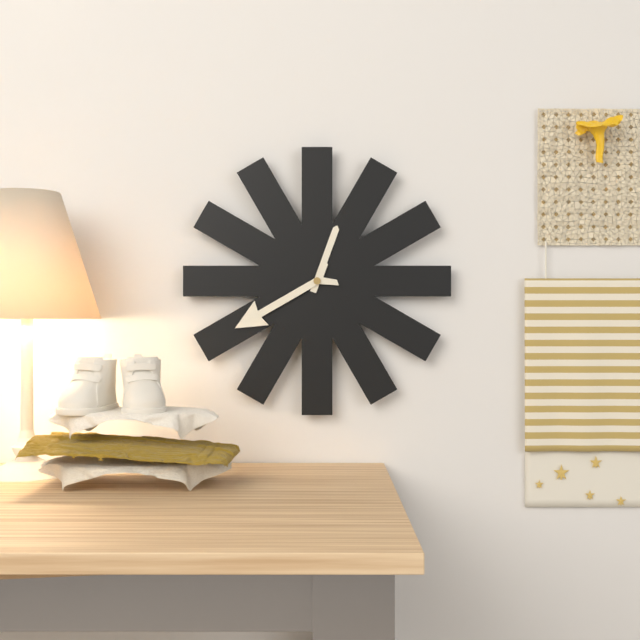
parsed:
**12:40**
